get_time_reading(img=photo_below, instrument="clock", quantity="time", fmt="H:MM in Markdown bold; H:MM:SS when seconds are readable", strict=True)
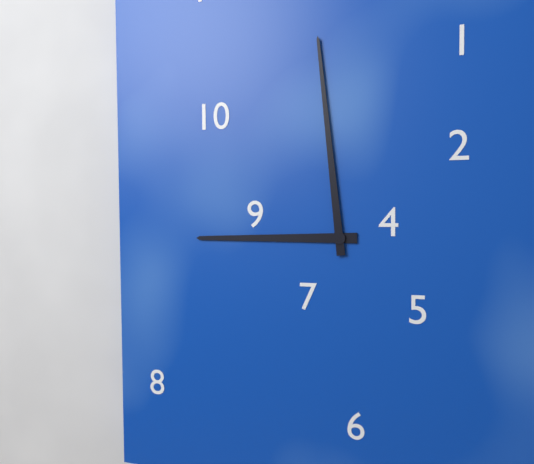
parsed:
**8:59**
